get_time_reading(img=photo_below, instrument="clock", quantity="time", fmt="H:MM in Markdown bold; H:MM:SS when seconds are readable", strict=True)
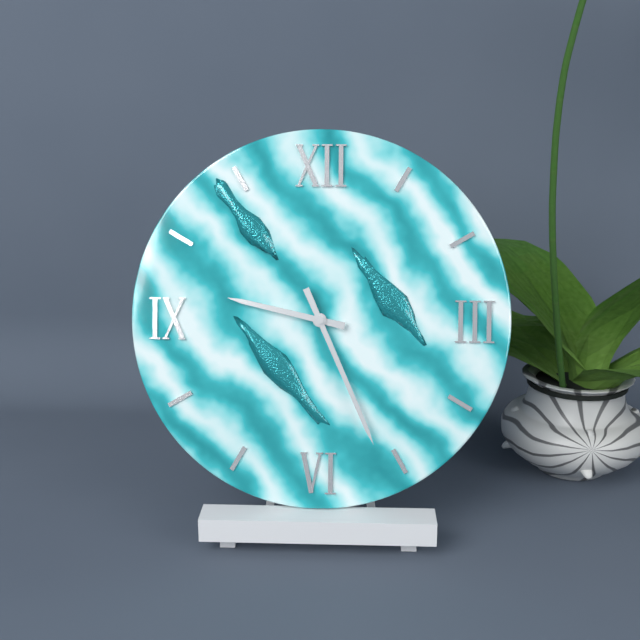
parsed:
**9:26**
